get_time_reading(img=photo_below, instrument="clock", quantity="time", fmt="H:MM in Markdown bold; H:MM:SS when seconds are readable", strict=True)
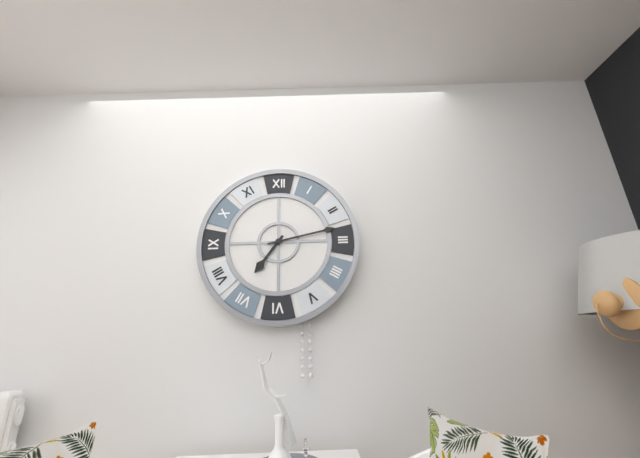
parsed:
**7:13**
